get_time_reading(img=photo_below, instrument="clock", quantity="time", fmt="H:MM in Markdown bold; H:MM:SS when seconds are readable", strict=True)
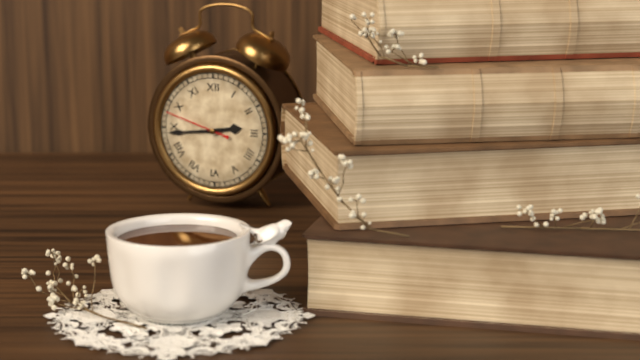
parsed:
**2:44:48**
